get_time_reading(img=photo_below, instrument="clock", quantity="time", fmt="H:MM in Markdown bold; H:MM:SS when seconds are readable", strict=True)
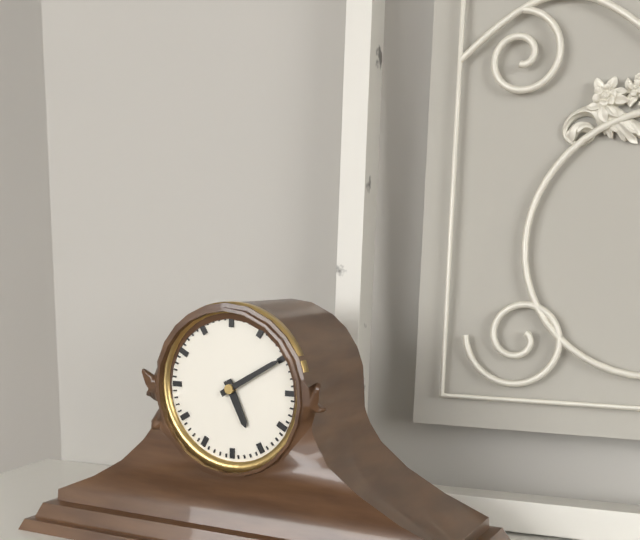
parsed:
**5:10**
